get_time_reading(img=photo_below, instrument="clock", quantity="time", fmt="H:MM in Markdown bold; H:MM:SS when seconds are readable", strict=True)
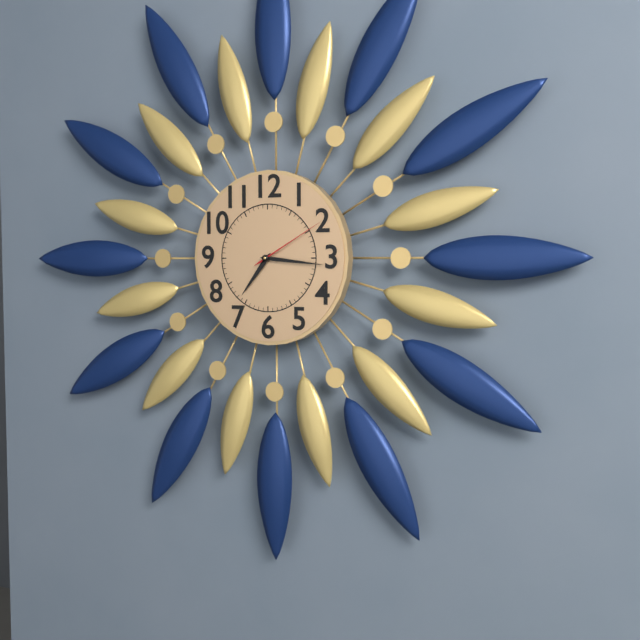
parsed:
**7:16:10**
